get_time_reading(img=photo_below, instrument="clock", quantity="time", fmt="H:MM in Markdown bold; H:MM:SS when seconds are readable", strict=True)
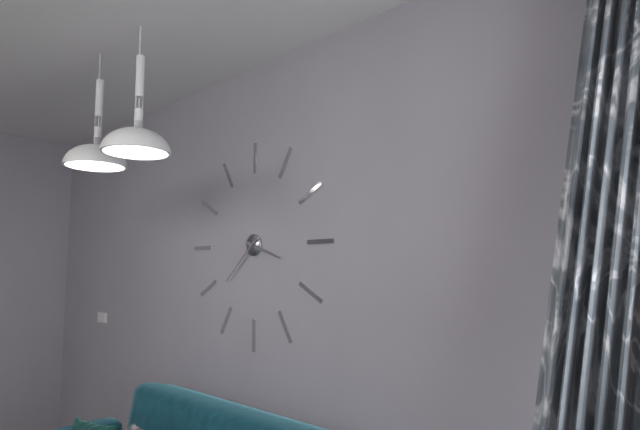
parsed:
**3:38**
